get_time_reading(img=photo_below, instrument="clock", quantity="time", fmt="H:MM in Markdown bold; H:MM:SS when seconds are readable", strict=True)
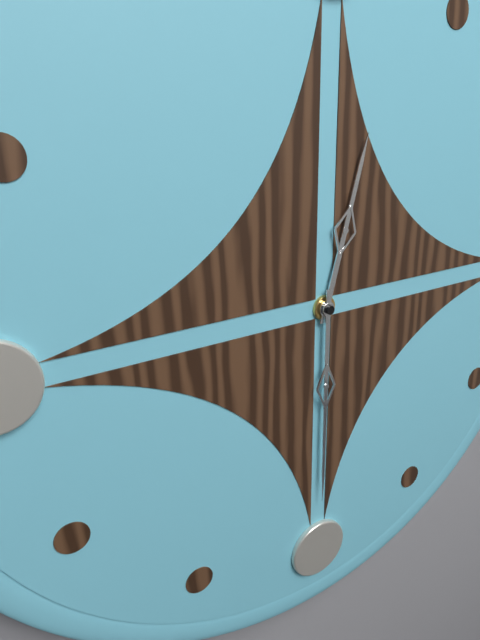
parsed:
**12:30**
